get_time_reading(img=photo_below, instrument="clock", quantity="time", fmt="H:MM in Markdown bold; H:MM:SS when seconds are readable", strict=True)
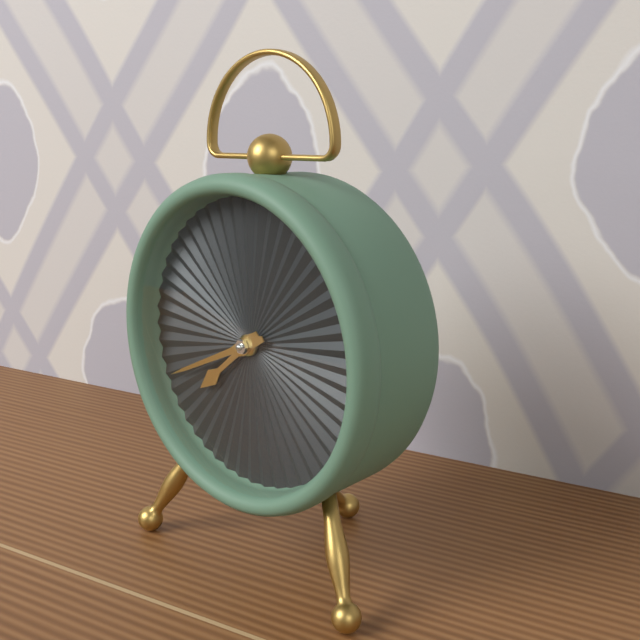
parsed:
**7:41**
